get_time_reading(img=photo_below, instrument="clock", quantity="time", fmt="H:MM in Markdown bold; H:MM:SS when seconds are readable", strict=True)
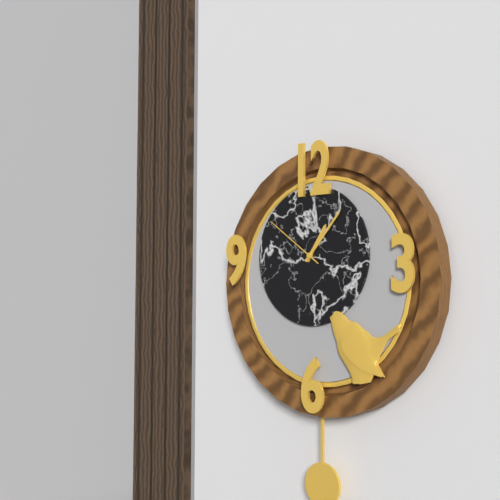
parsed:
**1:07:51**
